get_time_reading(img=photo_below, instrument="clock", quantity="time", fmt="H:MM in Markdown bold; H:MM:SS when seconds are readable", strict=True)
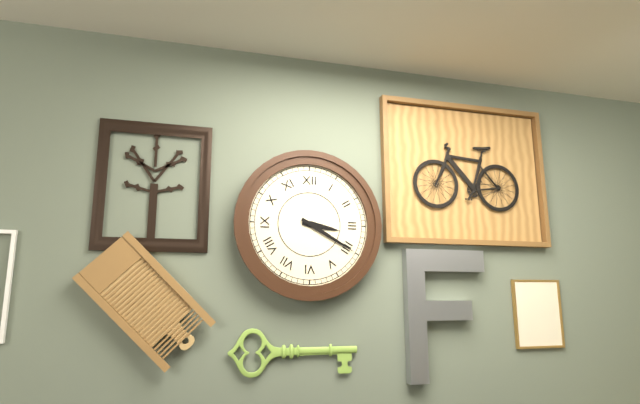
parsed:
**3:20**
